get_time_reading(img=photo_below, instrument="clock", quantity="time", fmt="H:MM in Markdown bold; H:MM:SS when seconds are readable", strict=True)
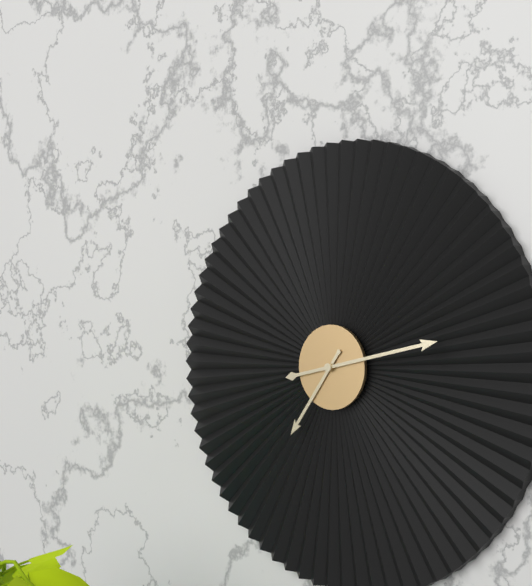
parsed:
**7:13**
